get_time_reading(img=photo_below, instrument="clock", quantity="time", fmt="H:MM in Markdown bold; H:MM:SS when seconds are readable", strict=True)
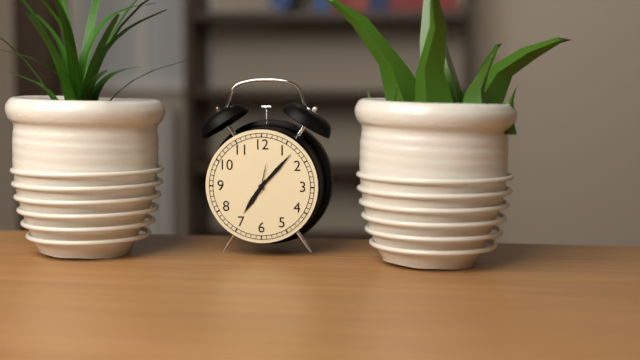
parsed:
**7:07**
